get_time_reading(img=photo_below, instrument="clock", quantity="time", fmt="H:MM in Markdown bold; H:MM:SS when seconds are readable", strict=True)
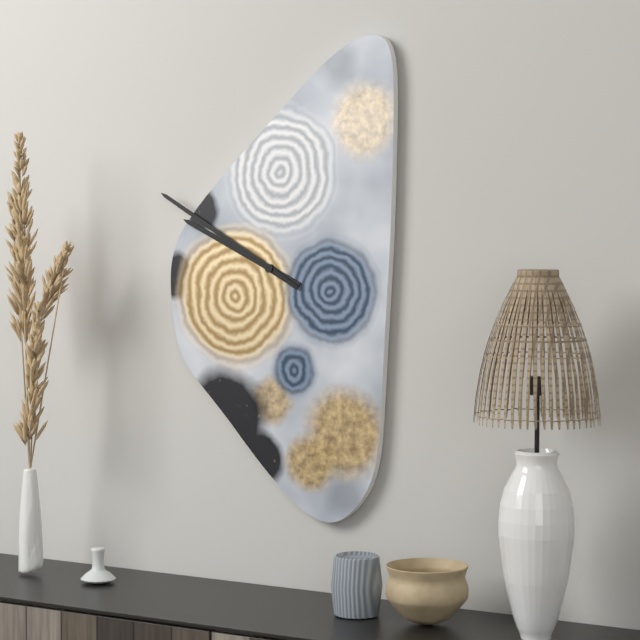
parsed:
**9:50**
